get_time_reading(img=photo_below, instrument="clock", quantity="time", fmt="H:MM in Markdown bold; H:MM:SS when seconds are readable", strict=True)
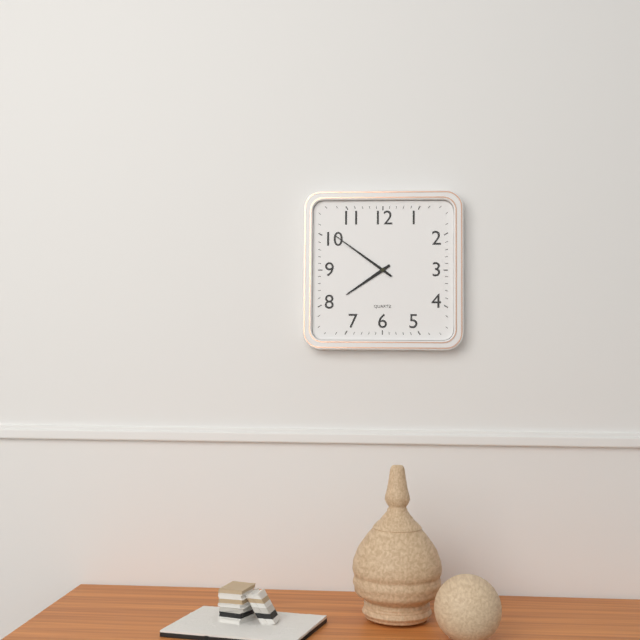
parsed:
**7:51**
